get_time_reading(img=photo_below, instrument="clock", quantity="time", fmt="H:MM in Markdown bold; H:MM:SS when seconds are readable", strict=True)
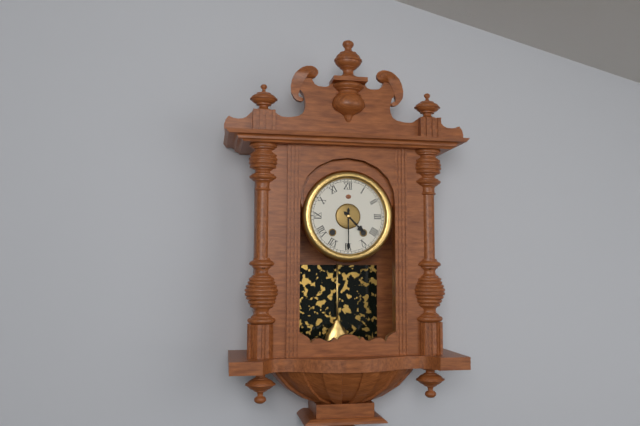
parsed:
**4:30**
